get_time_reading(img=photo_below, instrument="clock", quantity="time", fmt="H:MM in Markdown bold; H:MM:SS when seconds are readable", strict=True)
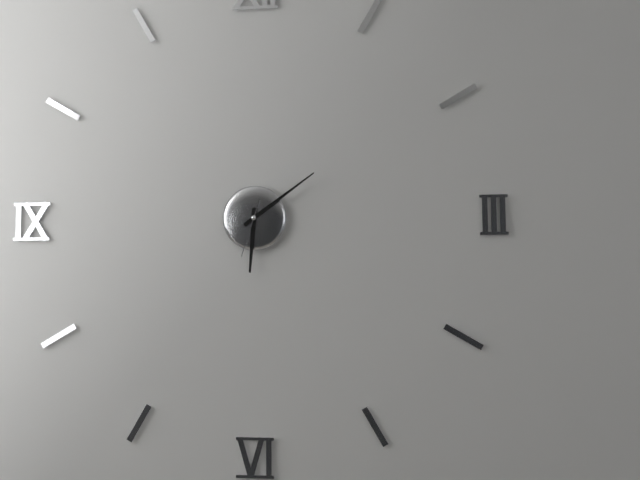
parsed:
**6:09:33**
